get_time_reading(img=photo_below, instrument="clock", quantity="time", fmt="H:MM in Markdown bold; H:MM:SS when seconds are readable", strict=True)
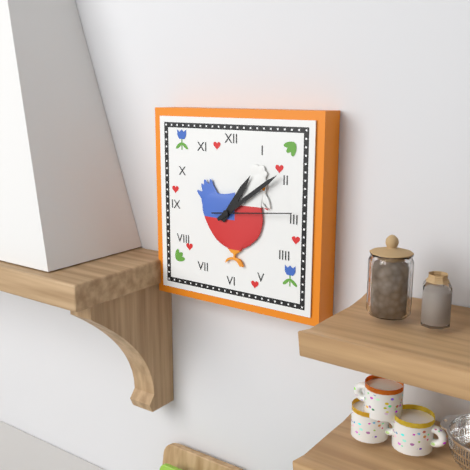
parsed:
**1:09:14**
